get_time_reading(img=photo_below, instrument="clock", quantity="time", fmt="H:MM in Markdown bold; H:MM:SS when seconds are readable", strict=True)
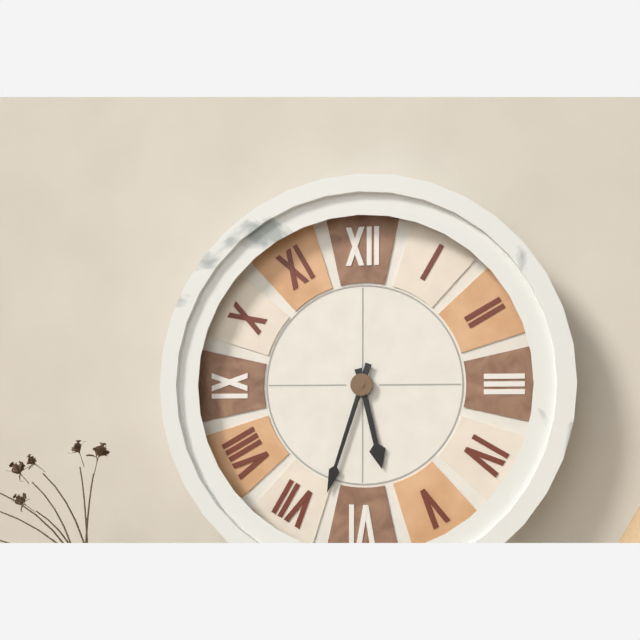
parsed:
**5:33**
